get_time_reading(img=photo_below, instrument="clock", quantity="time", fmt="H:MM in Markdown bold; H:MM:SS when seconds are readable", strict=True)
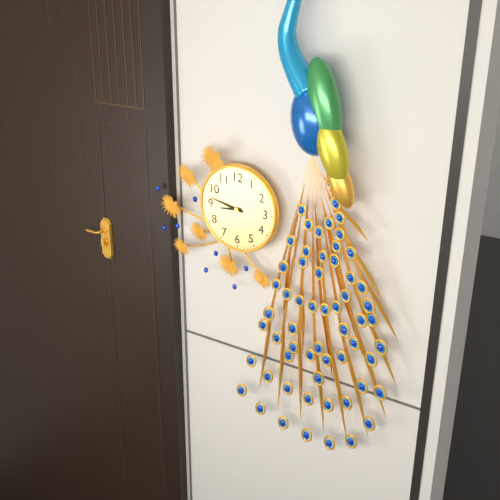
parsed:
**8:47**
